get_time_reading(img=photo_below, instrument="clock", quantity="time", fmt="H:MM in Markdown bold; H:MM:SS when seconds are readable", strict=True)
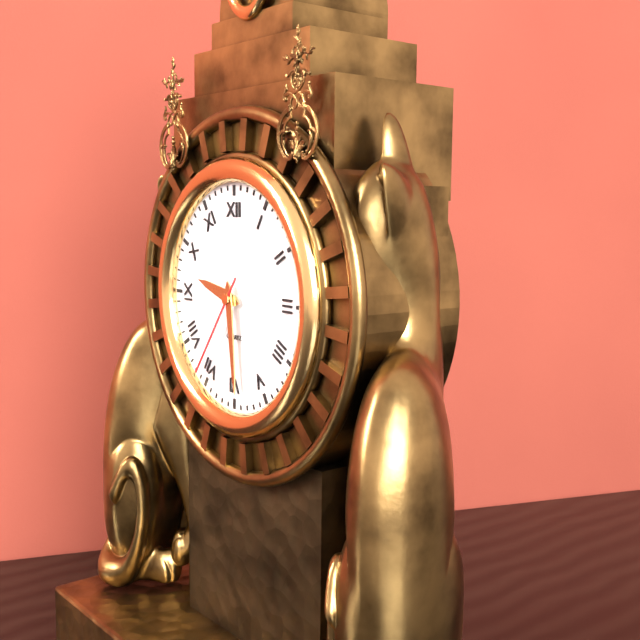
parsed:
**9:29:36**
